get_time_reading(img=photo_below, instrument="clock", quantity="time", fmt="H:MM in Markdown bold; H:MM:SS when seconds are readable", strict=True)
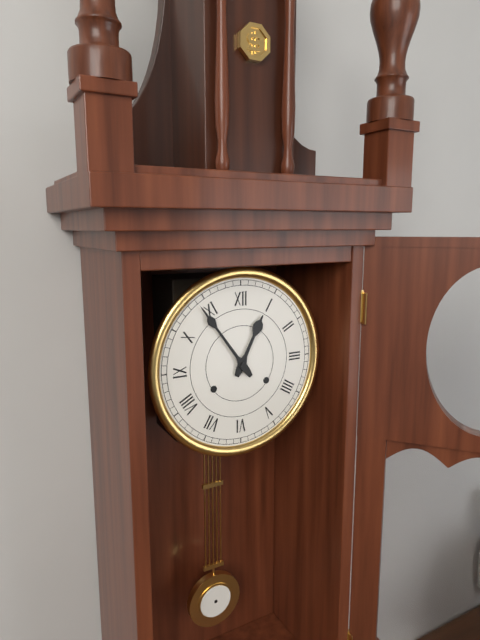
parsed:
**12:54**
